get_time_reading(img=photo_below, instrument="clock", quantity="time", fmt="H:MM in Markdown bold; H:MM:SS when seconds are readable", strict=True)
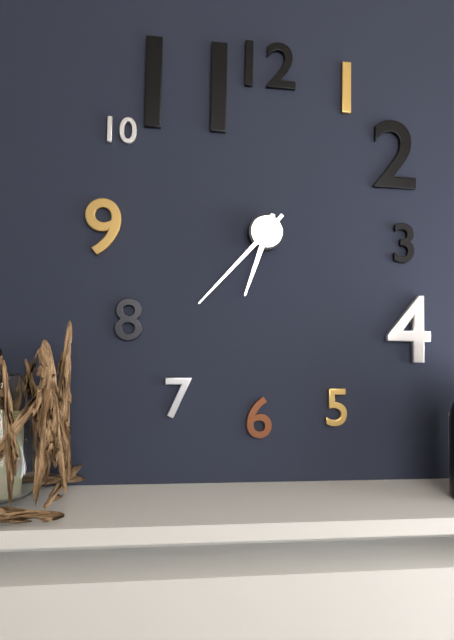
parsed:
**6:37**
